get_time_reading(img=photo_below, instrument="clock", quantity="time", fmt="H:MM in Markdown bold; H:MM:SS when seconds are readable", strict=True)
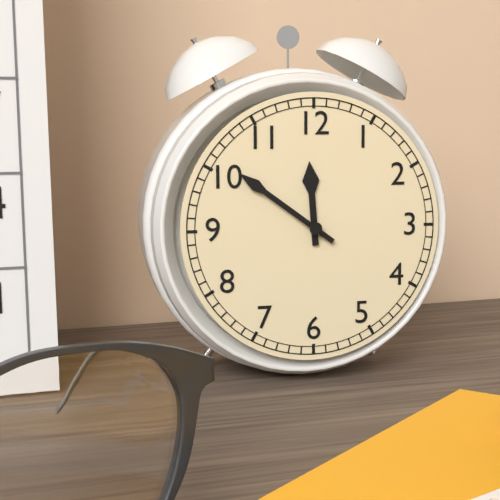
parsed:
**11:51**
